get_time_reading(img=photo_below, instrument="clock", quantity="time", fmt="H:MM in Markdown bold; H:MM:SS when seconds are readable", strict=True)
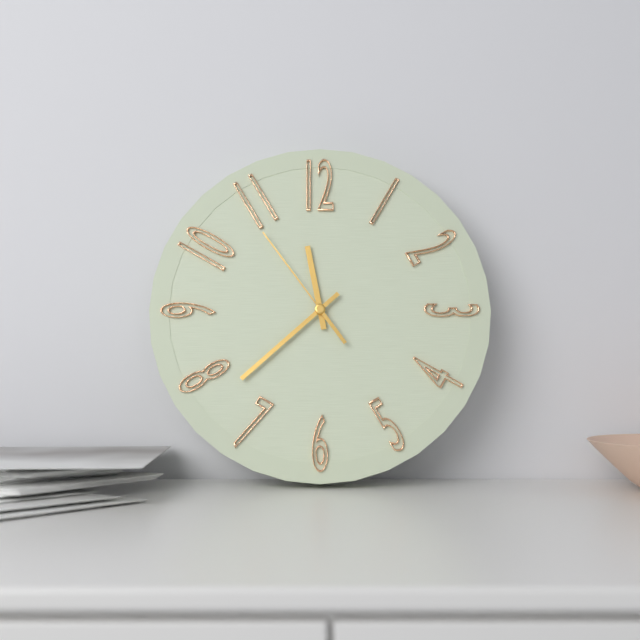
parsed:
**11:38:54**
